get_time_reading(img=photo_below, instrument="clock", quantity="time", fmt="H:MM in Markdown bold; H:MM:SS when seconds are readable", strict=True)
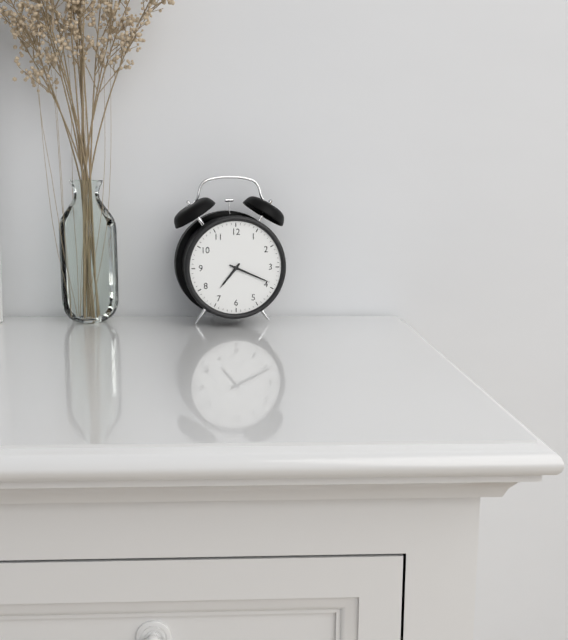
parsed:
**7:19**
